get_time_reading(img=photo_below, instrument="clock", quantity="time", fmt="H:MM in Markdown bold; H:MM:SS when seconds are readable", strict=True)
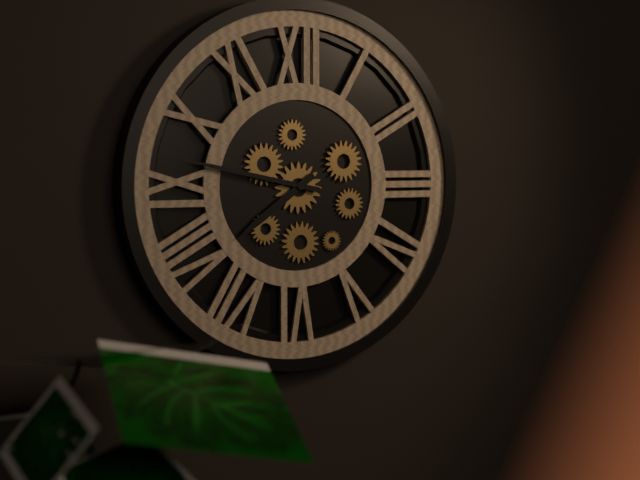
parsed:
**7:47**
